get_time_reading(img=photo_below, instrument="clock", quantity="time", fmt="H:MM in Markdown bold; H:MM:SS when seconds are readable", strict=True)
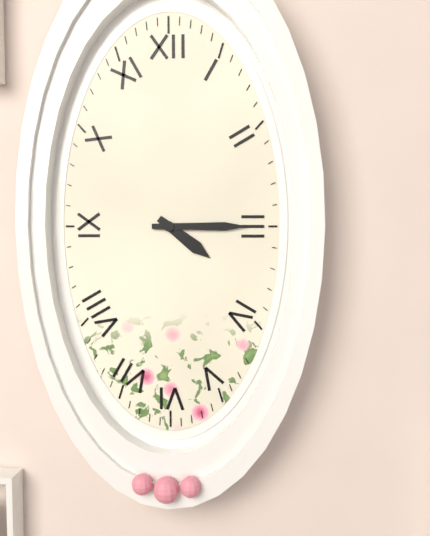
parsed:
**4:15**
